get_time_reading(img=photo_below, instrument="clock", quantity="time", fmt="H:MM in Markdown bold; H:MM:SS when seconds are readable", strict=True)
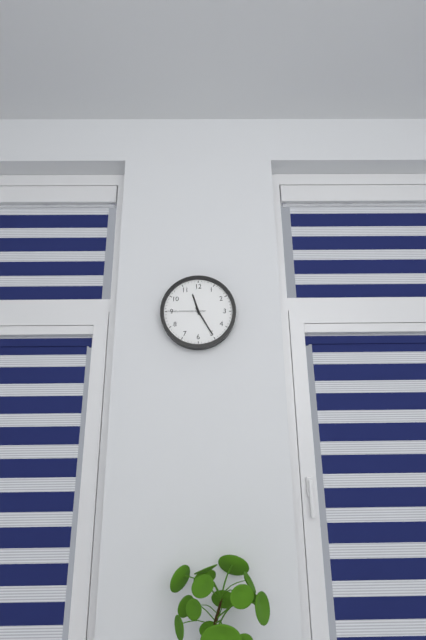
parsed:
**11:25**
